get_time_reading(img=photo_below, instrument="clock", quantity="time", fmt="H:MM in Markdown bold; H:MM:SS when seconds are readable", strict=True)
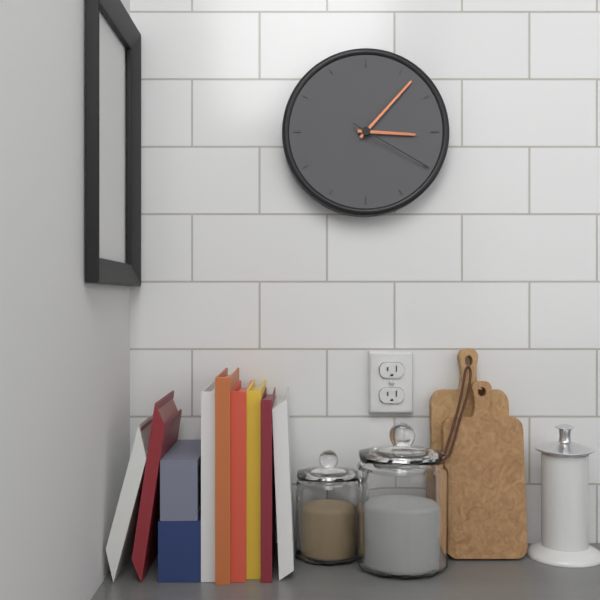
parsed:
**3:07:20**
